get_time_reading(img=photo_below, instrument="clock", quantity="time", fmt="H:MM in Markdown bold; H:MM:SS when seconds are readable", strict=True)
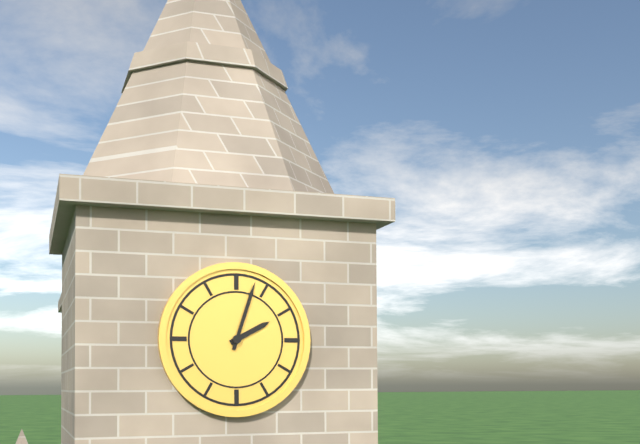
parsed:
**2:03**
